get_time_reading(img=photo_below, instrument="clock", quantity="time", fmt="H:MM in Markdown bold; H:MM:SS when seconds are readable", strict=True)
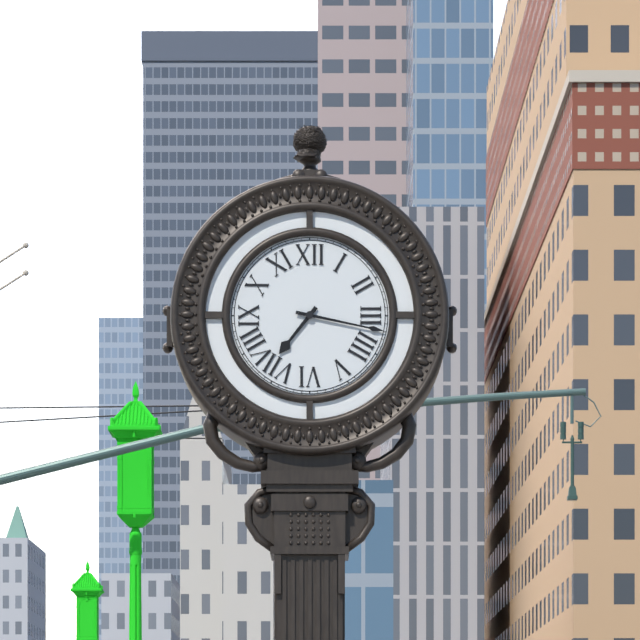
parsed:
**7:17**
